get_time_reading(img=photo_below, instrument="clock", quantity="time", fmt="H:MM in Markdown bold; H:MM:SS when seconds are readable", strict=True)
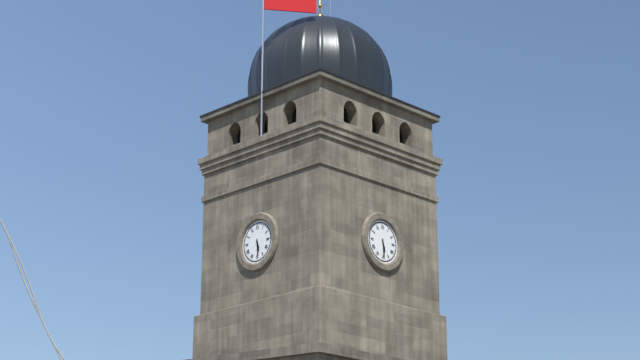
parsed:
**5:29**
